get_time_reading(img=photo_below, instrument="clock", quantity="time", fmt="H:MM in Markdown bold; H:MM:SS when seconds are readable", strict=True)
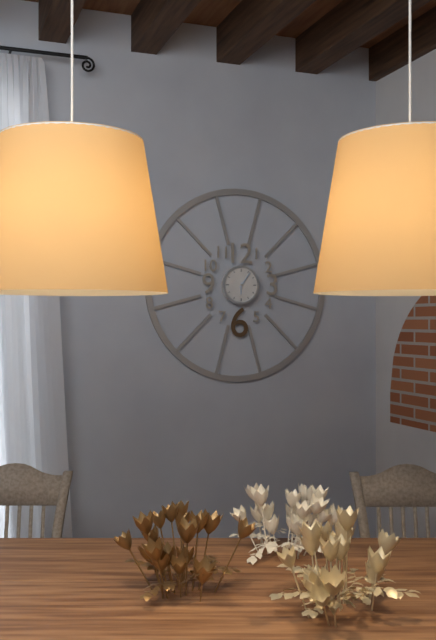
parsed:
**6:06**
